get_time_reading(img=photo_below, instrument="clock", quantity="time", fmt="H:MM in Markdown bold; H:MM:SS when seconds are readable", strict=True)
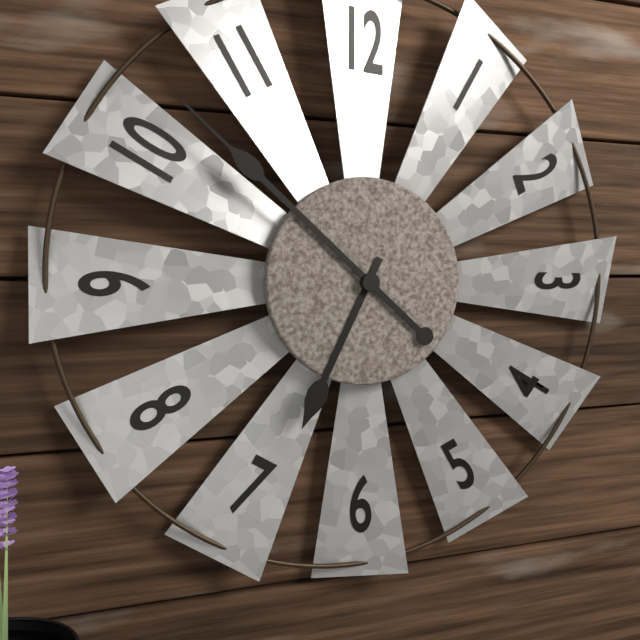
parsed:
**6:52**
